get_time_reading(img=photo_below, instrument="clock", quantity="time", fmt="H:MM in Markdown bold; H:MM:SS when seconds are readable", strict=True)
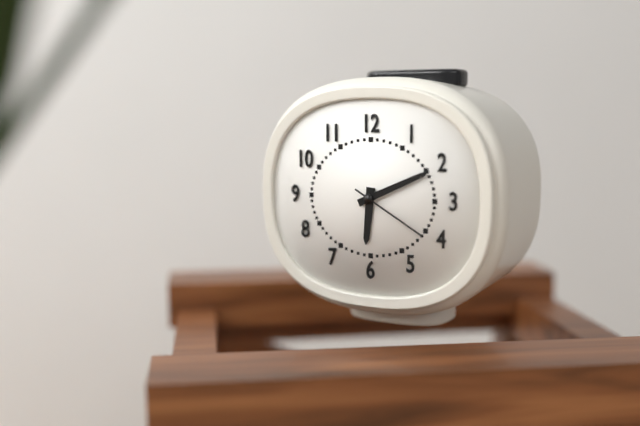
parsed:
**6:11:20**
